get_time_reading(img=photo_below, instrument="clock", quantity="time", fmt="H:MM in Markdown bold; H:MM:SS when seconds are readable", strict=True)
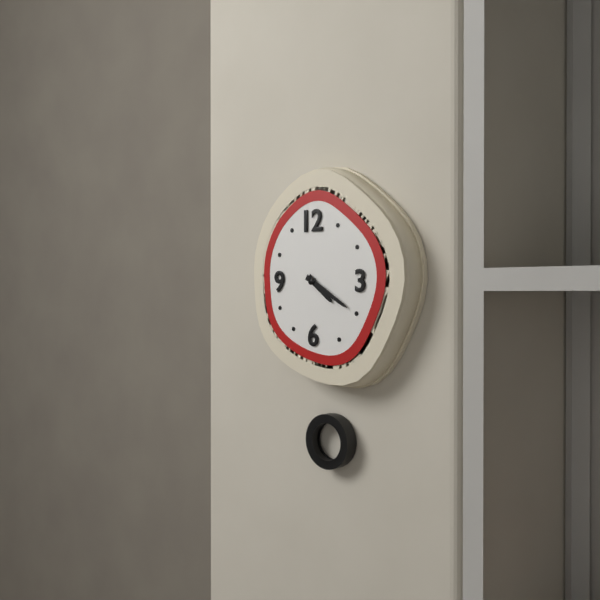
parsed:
**4:20**
